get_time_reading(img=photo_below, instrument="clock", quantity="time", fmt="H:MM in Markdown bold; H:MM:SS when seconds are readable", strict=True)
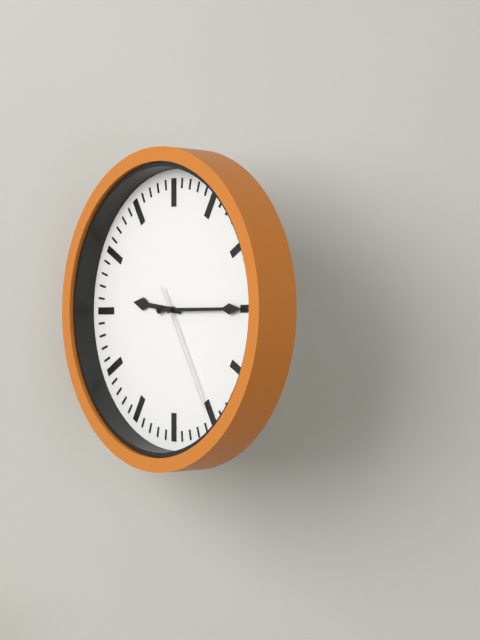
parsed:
**9:15:25**
